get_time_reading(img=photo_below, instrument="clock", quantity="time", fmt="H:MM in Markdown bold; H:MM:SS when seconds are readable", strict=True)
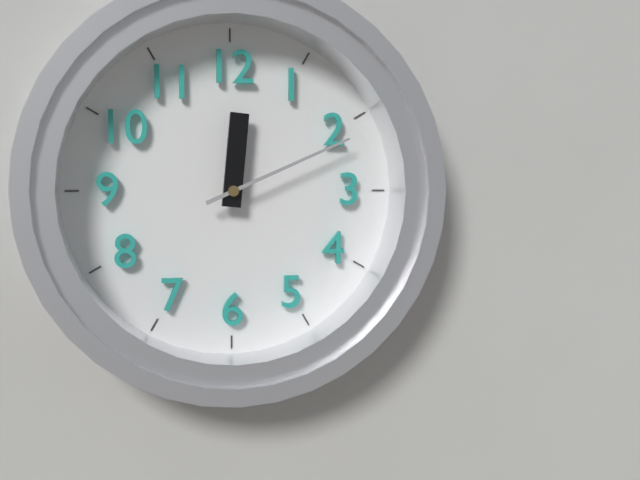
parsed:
**12:11**
